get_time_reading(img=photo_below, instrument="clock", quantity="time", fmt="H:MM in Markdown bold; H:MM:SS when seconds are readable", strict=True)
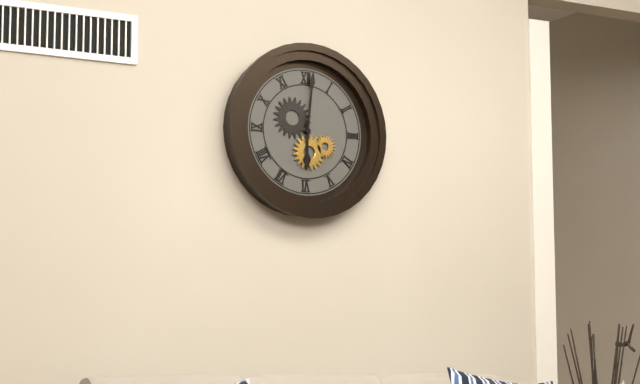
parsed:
**6:01**
